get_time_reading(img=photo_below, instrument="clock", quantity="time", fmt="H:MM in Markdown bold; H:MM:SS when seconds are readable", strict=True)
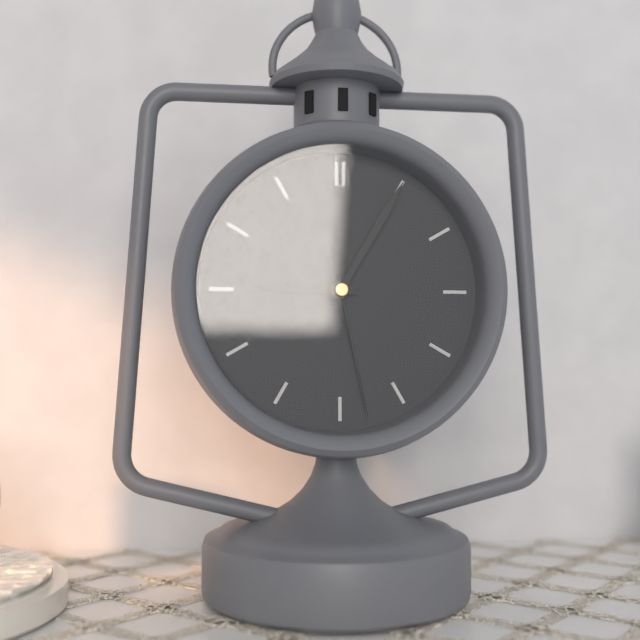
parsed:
**9:05:28**
